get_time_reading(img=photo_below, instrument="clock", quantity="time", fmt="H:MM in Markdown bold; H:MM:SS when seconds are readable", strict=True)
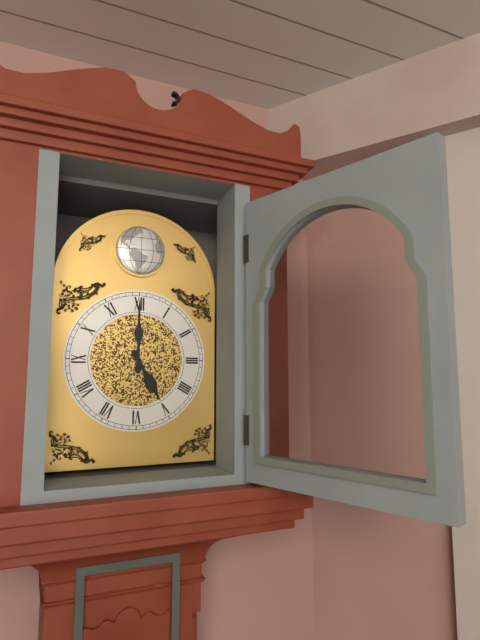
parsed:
**5:00**
